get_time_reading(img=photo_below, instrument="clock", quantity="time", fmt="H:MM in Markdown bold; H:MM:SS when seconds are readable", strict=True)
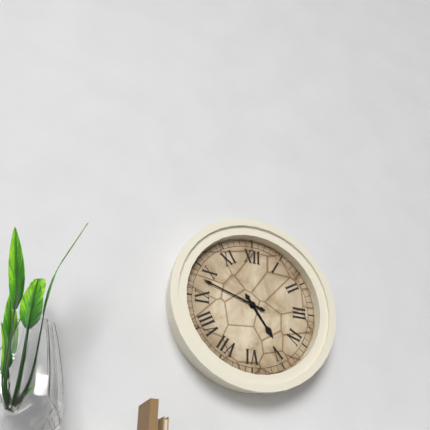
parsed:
**4:48**
